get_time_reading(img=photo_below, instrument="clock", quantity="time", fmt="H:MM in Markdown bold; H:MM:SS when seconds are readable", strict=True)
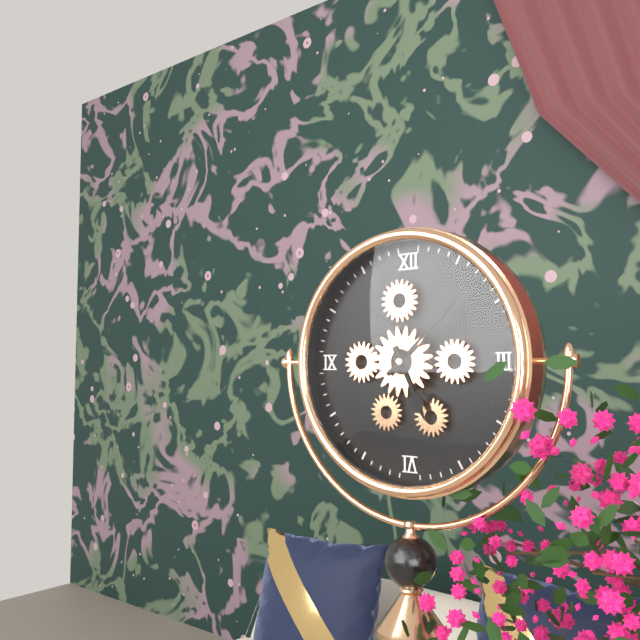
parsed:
**5:08**
